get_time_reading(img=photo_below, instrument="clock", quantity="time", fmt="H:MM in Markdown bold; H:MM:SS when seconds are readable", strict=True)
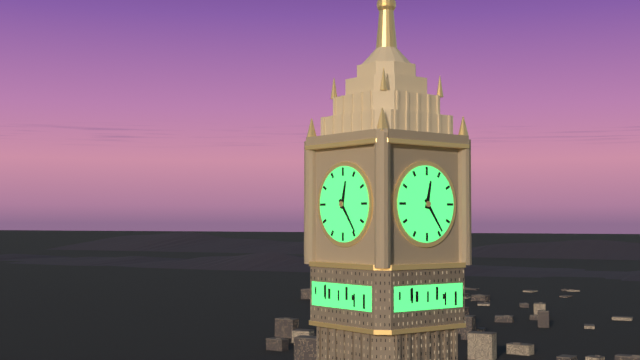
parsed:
**12:24**
